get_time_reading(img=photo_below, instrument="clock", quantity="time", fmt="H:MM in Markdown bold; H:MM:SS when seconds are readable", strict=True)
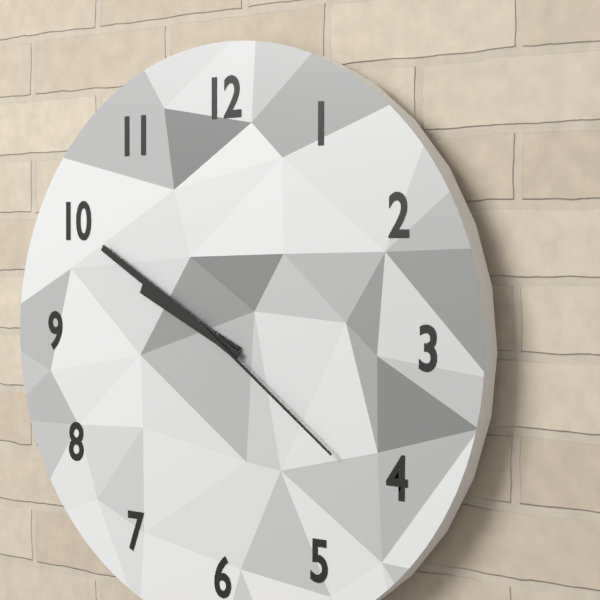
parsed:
**9:50:21**
